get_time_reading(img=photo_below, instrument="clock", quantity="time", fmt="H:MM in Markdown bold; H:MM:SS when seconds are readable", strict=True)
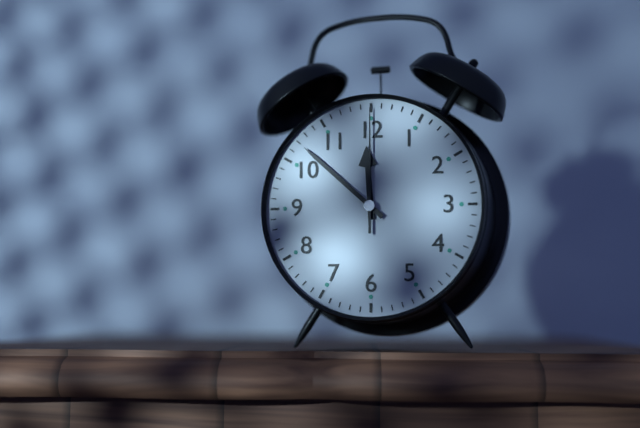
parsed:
**11:52:00**
